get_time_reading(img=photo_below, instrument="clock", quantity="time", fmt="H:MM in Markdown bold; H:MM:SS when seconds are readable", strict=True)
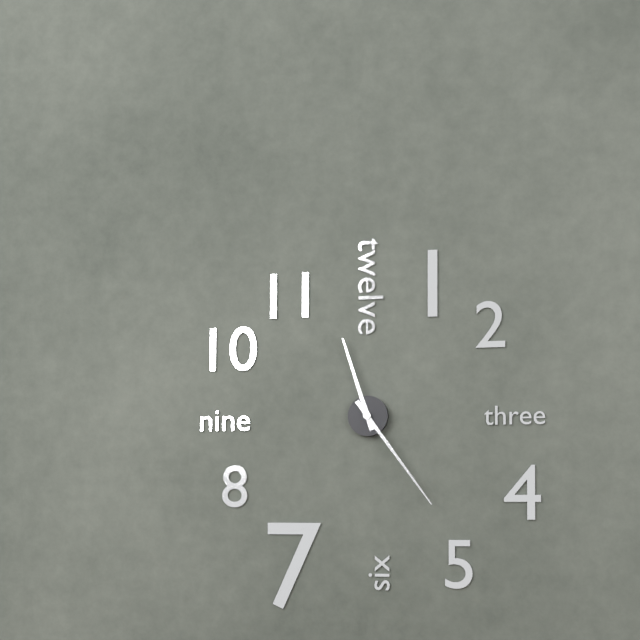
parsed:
**11:24**
